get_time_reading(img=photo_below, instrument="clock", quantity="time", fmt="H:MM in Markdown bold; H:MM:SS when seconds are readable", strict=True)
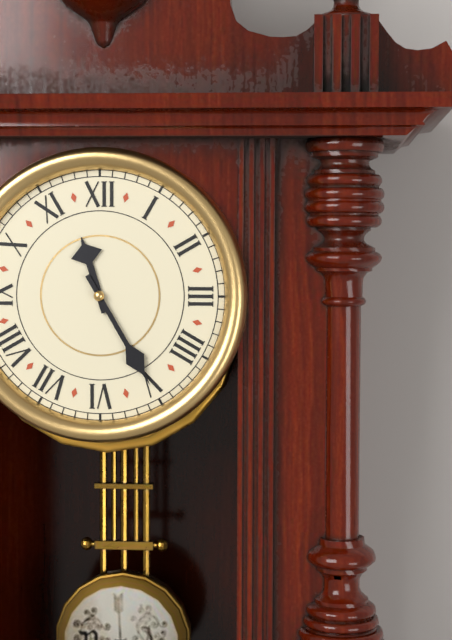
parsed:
**11:25**
